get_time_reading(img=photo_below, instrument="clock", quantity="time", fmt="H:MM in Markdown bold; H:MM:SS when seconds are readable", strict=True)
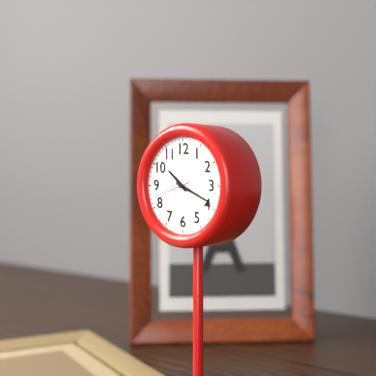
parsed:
**10:19:42**
